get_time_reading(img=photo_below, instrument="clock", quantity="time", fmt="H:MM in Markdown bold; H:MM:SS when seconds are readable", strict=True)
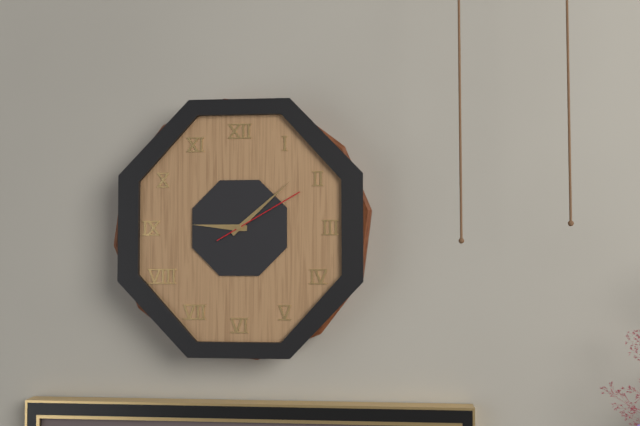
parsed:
**9:08:10**
